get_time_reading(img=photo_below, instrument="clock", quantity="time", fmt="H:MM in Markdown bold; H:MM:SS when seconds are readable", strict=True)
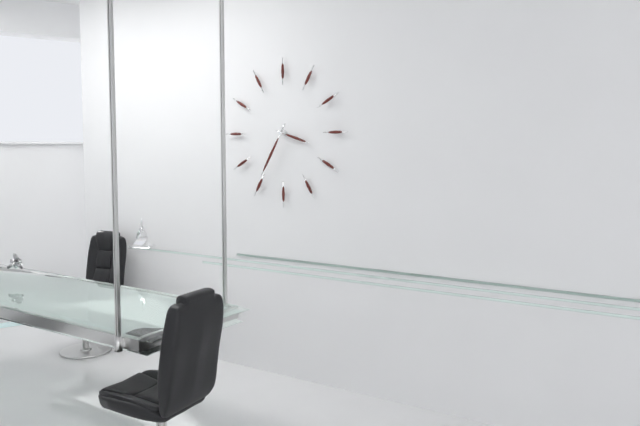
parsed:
**3:35**
